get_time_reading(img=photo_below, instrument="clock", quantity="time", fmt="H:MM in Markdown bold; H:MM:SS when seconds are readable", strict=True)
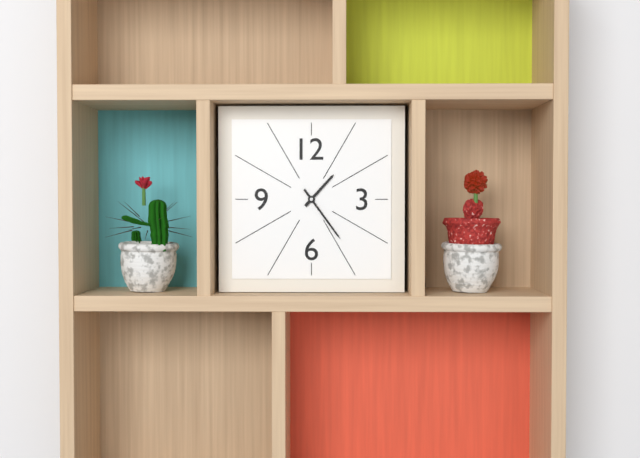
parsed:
**1:24**
